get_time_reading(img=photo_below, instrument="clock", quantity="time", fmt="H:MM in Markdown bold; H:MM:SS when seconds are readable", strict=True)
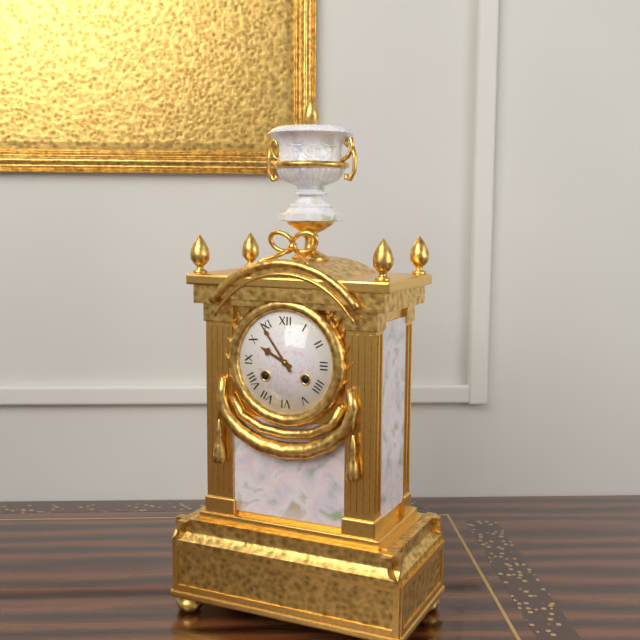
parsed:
**9:54**
